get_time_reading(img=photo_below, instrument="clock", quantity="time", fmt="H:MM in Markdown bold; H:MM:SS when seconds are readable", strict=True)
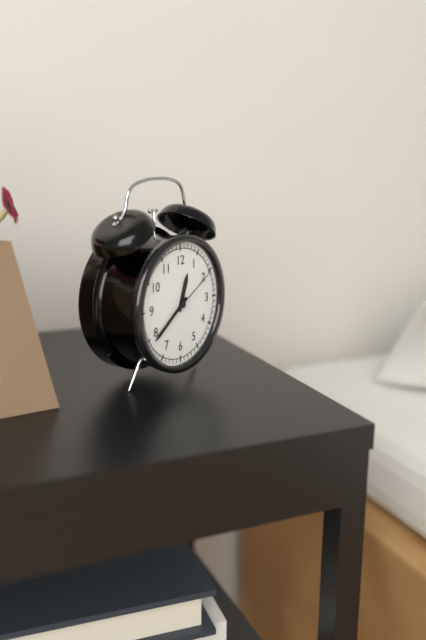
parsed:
**12:39:10**
